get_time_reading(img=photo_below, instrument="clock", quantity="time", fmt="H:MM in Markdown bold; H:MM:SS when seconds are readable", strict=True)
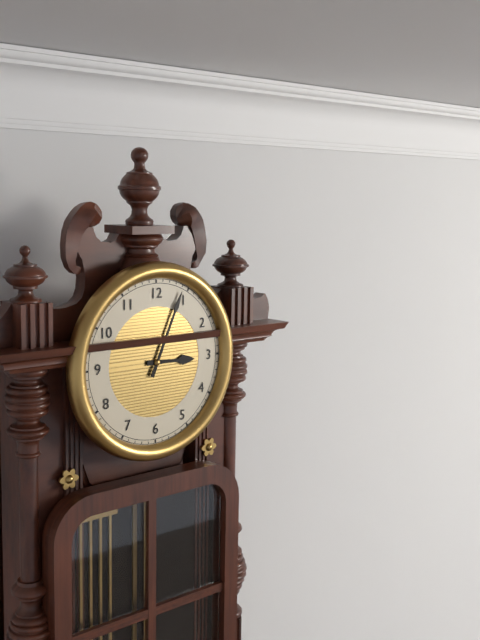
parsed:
**3:04**
